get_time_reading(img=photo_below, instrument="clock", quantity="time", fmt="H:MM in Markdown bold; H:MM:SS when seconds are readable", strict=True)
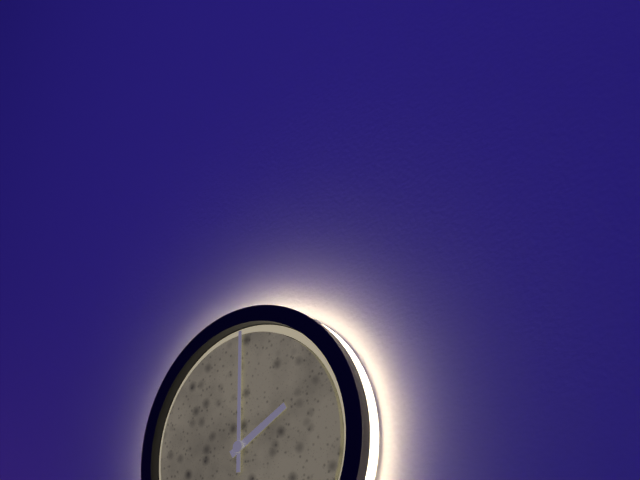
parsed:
**2:00**
